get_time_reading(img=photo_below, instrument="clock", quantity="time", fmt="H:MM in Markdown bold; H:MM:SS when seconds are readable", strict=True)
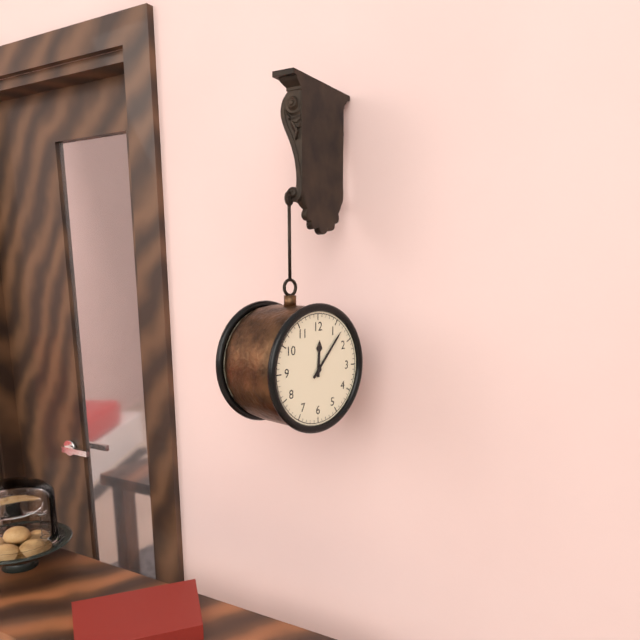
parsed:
**12:07**
